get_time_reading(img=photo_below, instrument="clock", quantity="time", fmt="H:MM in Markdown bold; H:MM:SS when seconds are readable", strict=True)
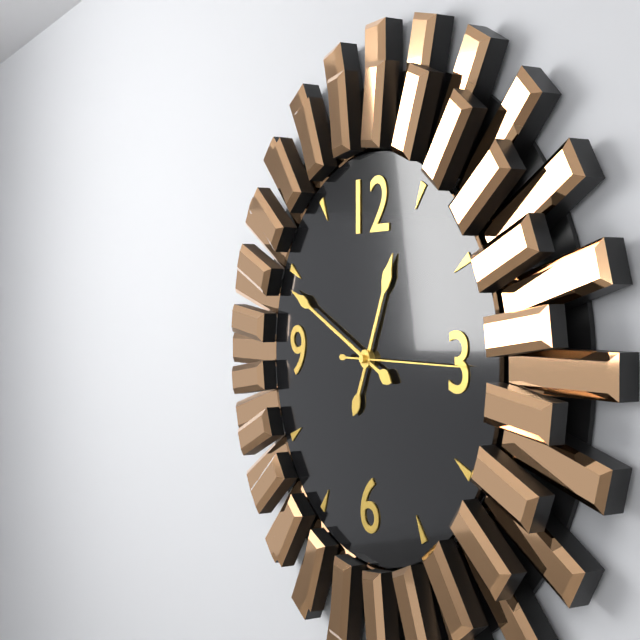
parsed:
**12:49:15**
